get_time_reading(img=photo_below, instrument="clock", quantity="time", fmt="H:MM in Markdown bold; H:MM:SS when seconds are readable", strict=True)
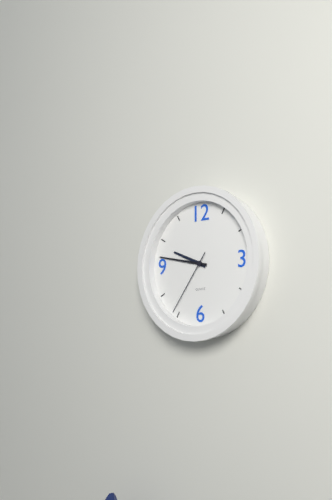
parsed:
**9:47:36**
